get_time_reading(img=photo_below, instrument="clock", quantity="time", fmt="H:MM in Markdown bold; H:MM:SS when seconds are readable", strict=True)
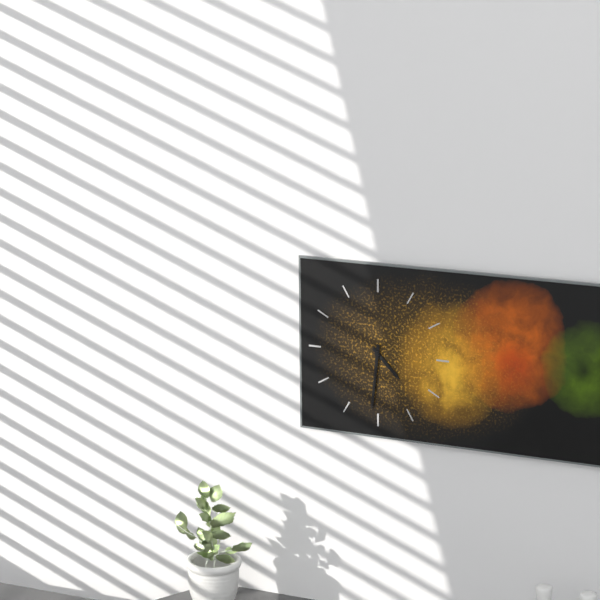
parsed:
**4:31**
